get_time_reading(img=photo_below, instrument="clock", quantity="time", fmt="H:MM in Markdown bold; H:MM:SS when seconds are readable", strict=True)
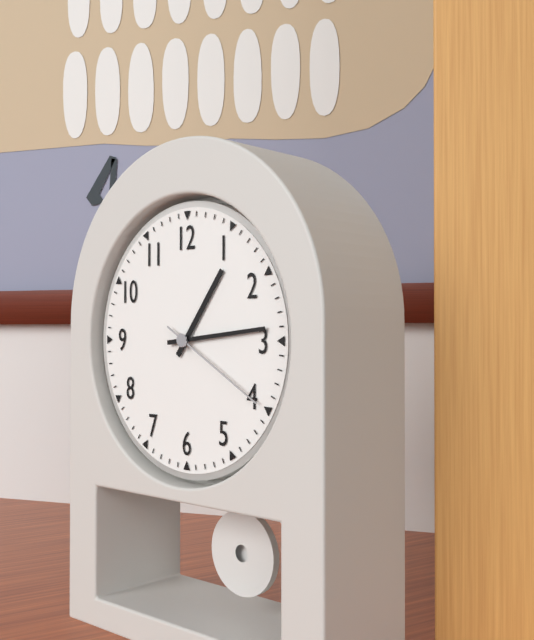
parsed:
**1:14:20**
